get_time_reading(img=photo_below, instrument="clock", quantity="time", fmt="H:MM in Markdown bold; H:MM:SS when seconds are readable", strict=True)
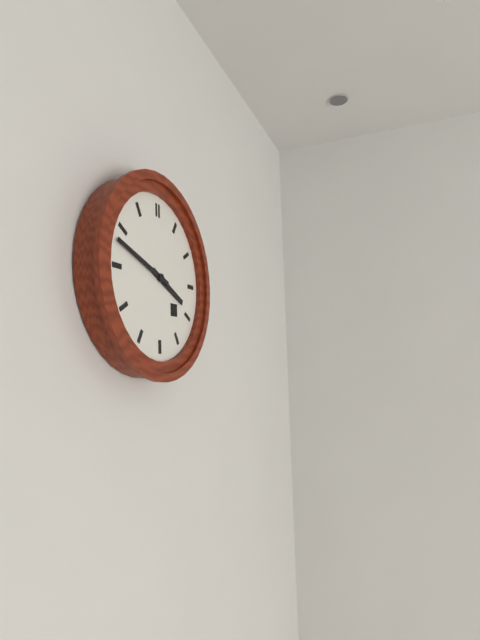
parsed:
**3:48**
